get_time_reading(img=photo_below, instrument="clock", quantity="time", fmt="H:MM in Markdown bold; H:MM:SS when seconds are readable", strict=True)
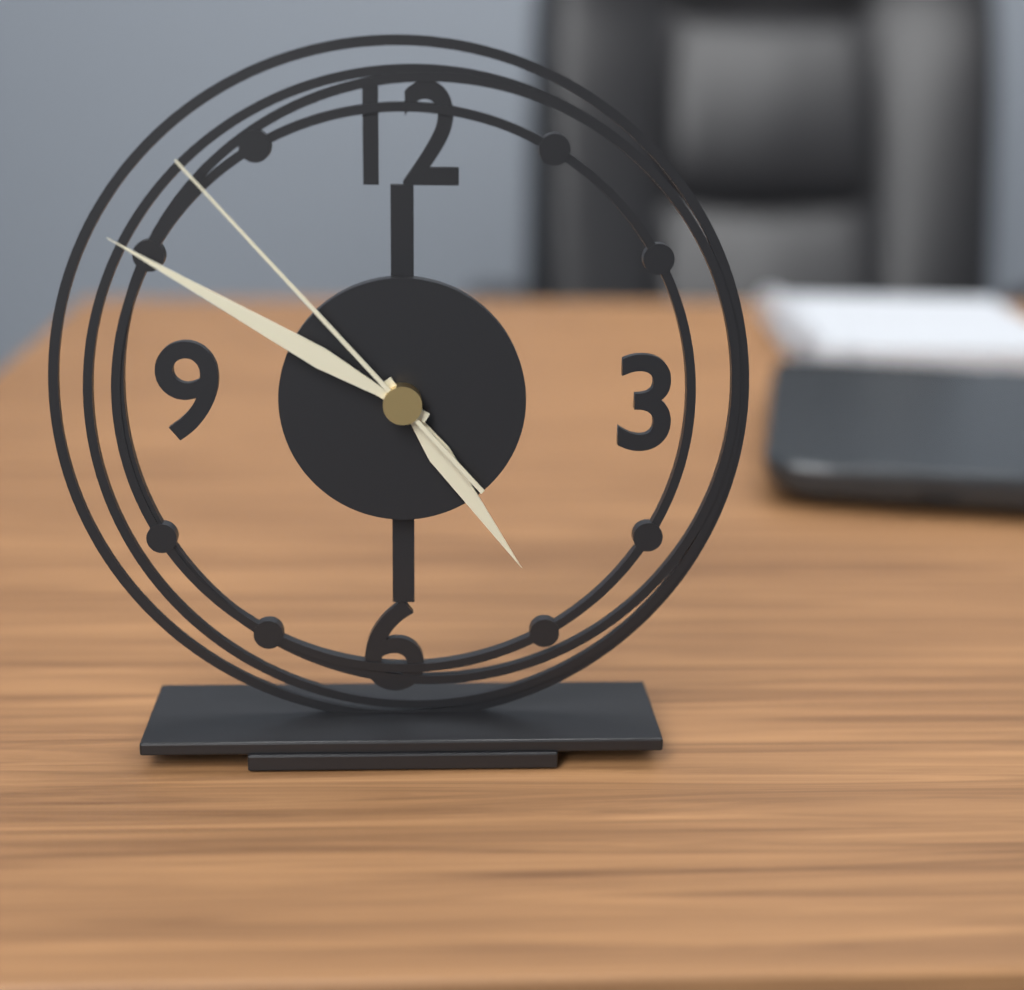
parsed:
**4:50:53**
